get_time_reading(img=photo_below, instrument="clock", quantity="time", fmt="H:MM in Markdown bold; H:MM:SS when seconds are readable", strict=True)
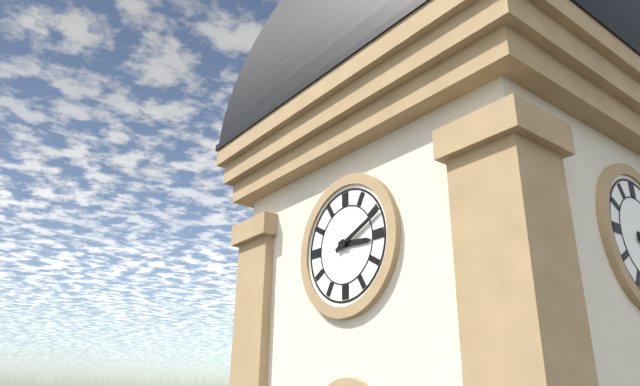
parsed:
**3:11**
